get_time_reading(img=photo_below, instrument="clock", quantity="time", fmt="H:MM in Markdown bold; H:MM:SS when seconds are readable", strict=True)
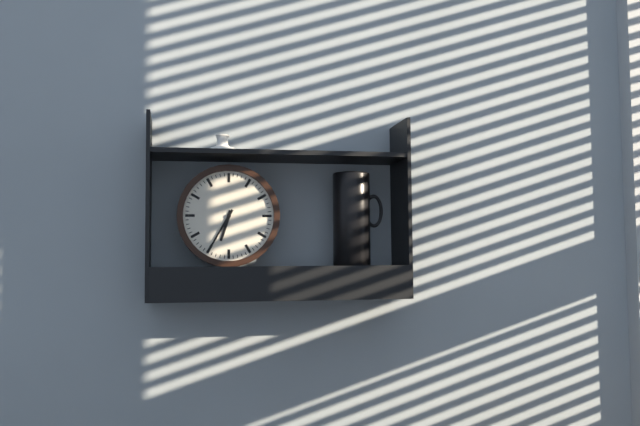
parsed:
**6:35**
